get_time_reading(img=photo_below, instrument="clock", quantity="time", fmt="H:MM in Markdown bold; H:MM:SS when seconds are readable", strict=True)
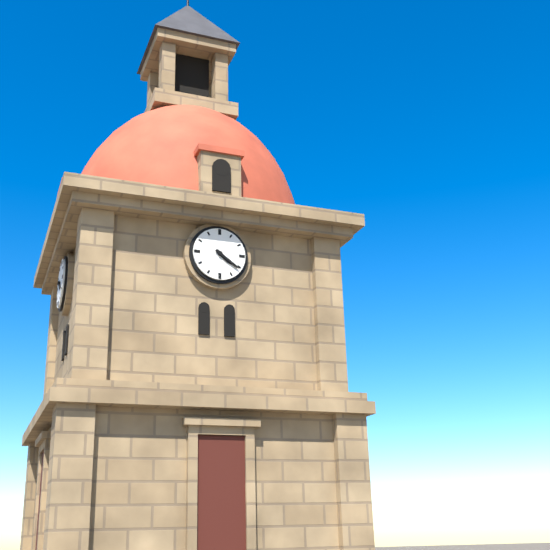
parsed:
**4:21**
